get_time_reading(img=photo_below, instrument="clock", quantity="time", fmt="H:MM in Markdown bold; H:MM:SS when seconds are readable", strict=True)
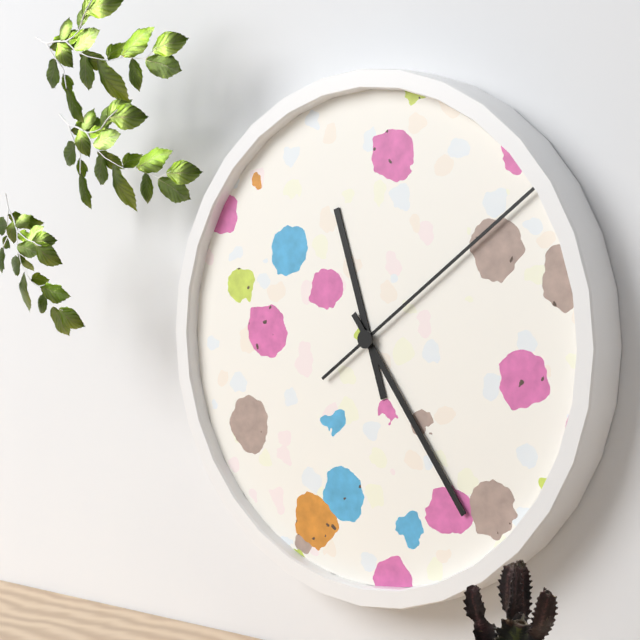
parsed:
**11:24:09**
